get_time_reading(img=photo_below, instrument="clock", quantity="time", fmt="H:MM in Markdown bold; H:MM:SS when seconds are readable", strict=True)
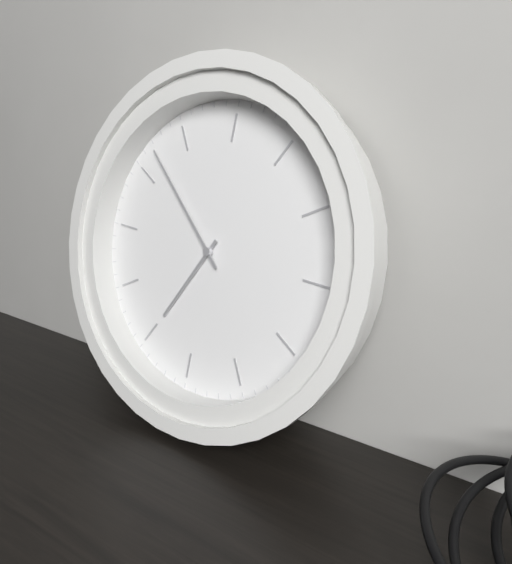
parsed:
**7:57**
